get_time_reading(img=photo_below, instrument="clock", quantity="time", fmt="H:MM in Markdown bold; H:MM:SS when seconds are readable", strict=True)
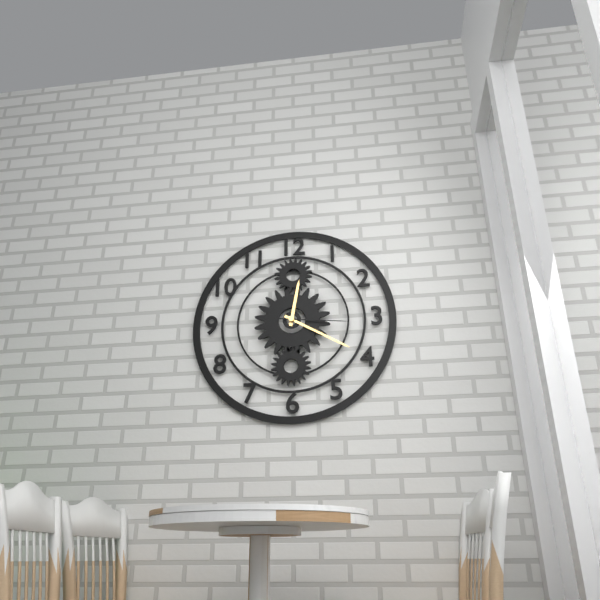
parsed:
**12:20:16**
